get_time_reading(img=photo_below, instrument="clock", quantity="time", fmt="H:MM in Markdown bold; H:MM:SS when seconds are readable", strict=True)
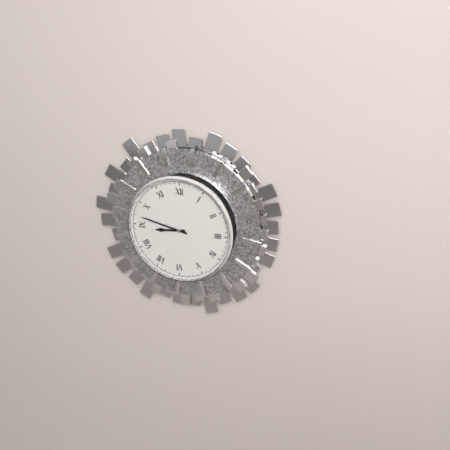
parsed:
**8:47**
